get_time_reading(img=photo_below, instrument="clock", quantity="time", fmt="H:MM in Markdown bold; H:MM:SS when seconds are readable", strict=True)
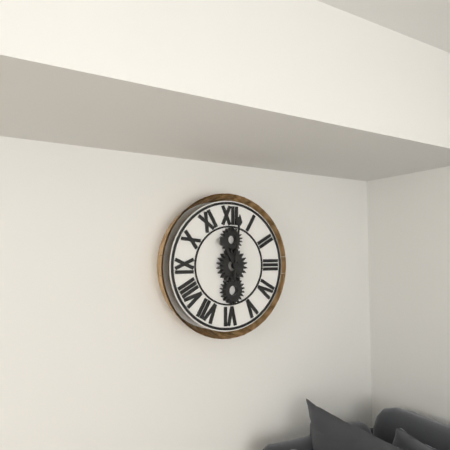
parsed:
**11:01**
